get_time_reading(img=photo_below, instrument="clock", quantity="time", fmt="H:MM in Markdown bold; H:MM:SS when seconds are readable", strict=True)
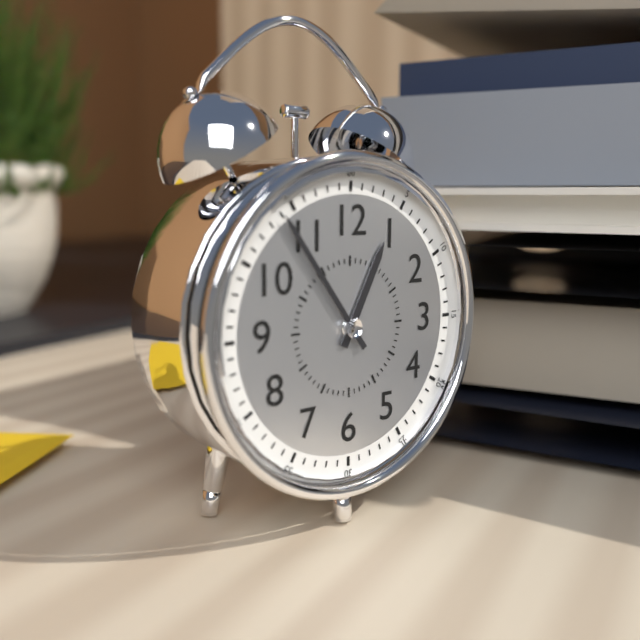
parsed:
**12:54**
